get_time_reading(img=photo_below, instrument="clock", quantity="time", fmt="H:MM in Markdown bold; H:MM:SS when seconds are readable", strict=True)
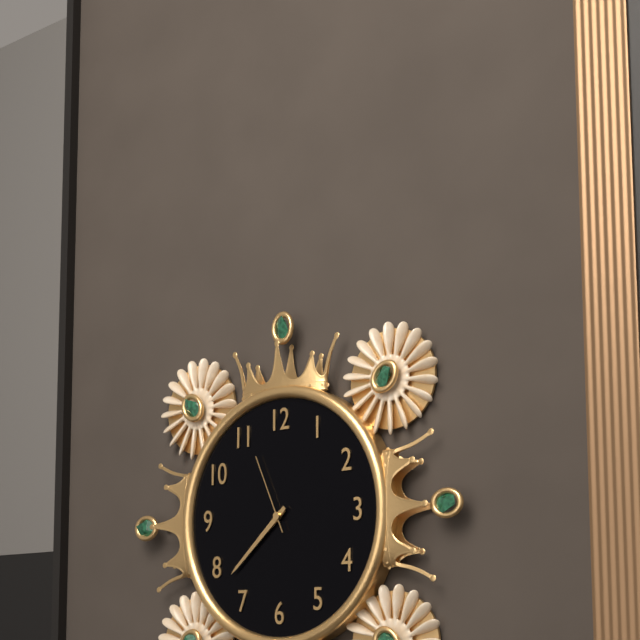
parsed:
**7:38:56**
